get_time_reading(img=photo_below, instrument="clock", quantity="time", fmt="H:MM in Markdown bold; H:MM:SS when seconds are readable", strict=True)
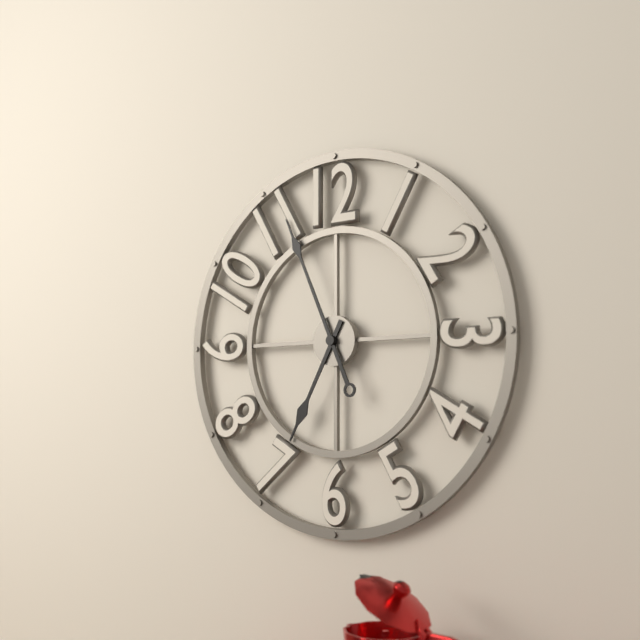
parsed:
**6:56**
